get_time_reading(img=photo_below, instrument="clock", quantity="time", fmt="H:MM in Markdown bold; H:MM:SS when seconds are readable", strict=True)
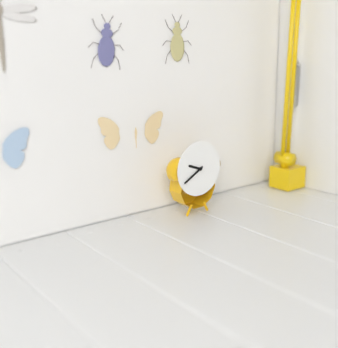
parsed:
**9:40**
